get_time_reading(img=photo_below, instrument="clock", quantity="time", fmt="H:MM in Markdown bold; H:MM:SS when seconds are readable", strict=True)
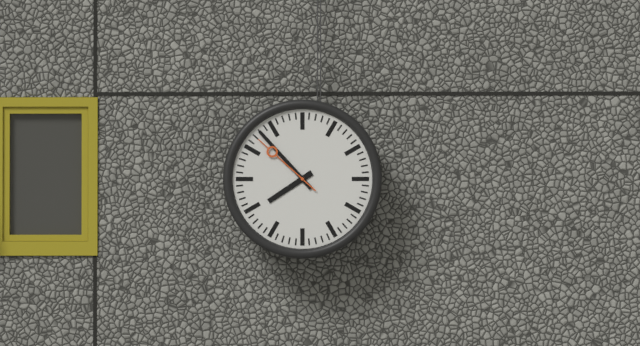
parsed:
**7:53:52**
